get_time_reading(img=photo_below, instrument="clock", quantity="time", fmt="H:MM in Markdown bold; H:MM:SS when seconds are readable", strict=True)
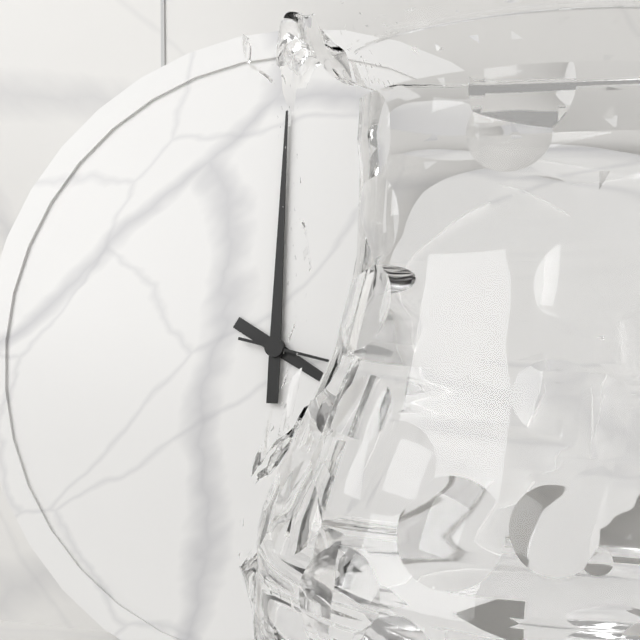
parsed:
**4:00:17**
